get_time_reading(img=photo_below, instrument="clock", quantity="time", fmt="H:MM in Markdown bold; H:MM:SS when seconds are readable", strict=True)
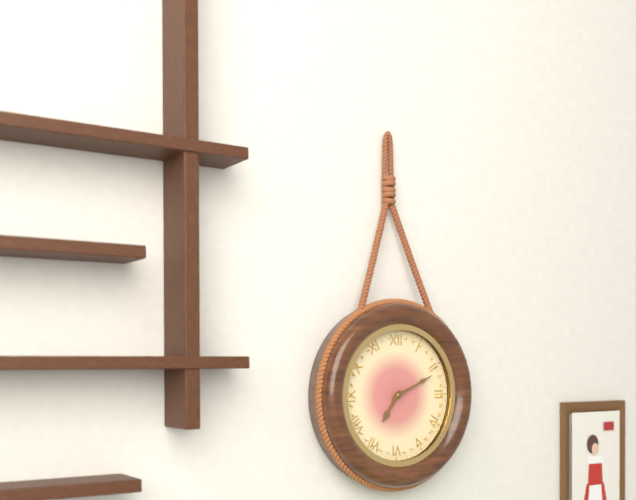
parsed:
**7:11**
